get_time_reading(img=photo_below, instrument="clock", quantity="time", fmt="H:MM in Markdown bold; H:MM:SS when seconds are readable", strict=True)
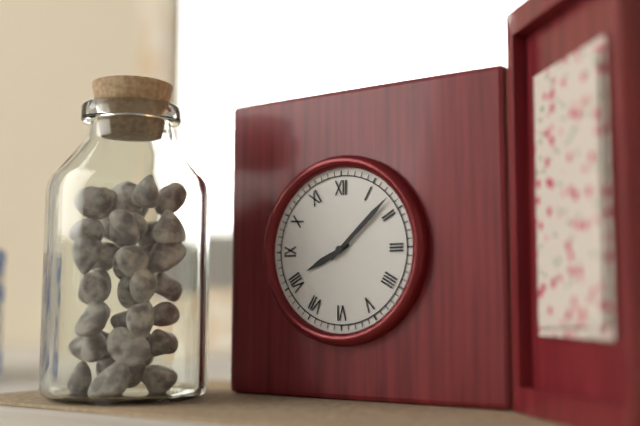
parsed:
**8:08**
